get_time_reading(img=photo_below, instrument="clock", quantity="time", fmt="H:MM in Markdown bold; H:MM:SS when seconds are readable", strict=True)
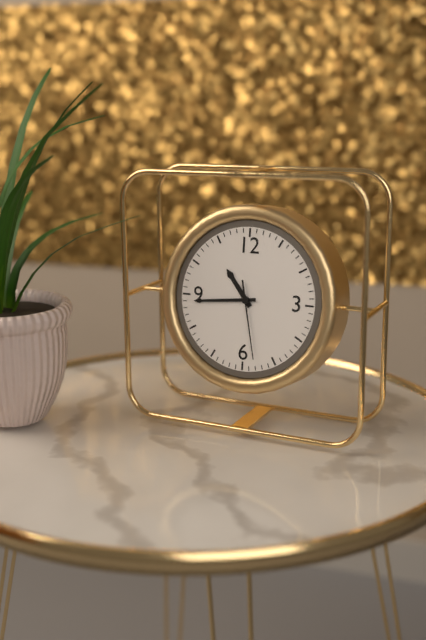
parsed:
**10:44:28**
